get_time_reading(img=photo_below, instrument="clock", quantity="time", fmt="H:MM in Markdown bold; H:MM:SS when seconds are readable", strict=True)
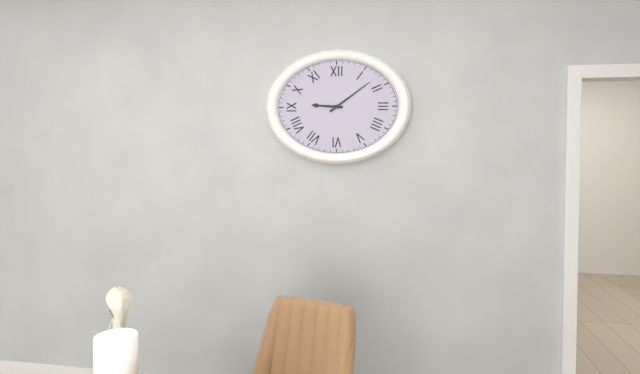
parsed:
**9:09**
